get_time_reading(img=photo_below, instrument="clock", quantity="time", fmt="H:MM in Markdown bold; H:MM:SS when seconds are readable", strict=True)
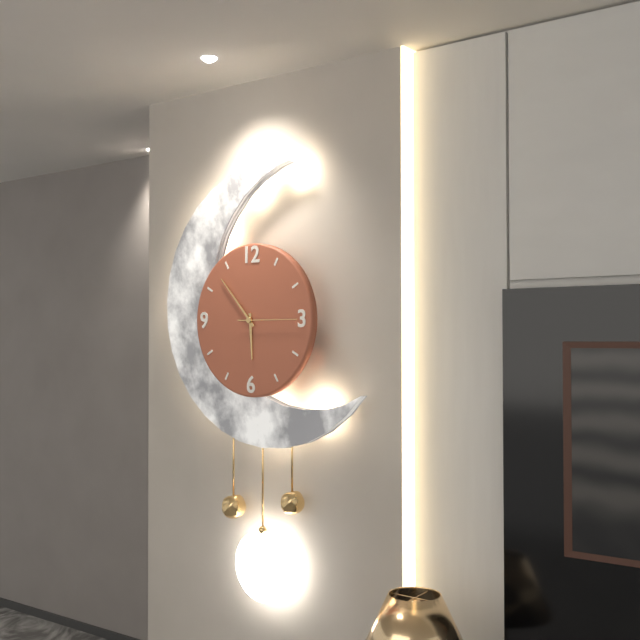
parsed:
**5:53:15**
